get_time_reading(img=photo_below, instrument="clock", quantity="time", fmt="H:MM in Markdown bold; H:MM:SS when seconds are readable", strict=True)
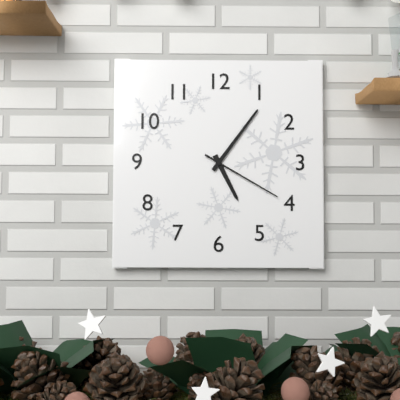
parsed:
**5:06:20**
